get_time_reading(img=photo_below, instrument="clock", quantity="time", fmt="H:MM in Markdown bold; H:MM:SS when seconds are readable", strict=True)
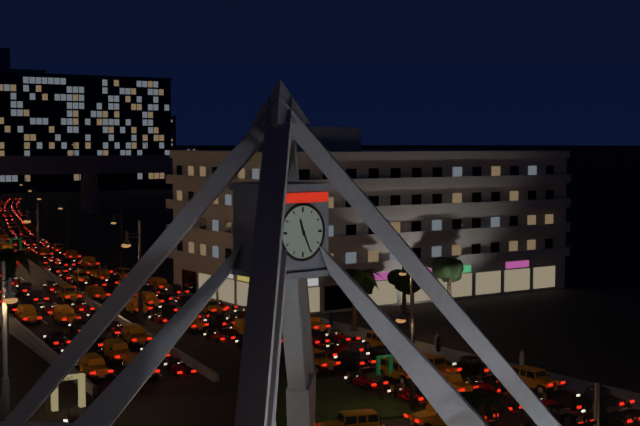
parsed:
**11:26**
